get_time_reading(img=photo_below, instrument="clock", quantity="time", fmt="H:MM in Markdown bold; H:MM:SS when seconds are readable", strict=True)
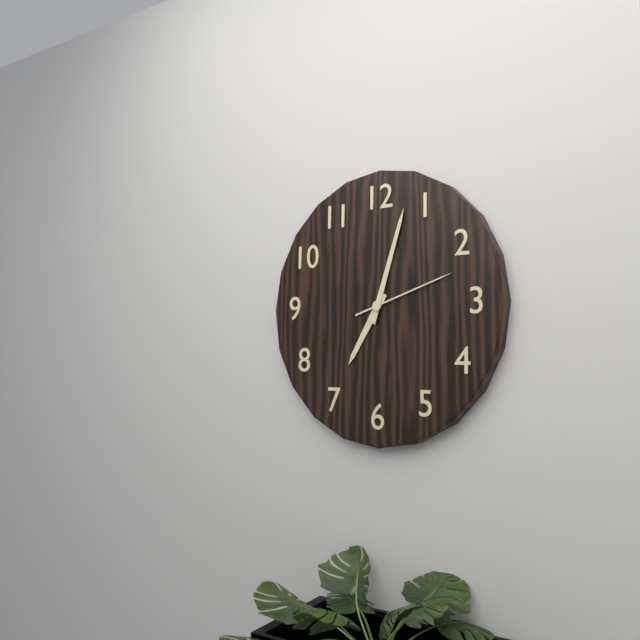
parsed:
**7:03:12**
